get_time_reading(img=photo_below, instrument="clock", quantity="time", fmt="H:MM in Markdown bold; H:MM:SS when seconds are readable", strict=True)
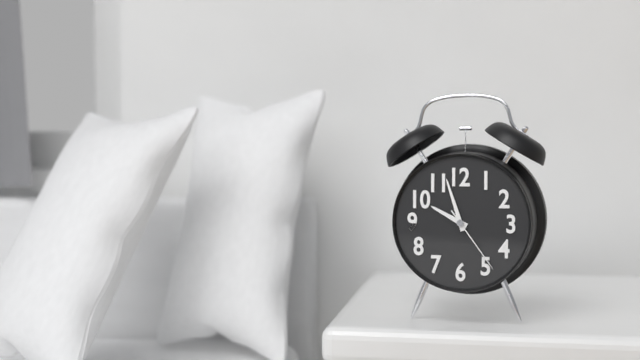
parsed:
**9:57:24**
